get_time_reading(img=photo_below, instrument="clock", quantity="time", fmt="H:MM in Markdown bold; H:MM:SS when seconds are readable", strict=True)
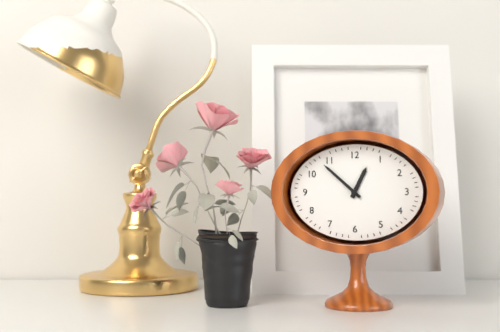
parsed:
**12:52**
